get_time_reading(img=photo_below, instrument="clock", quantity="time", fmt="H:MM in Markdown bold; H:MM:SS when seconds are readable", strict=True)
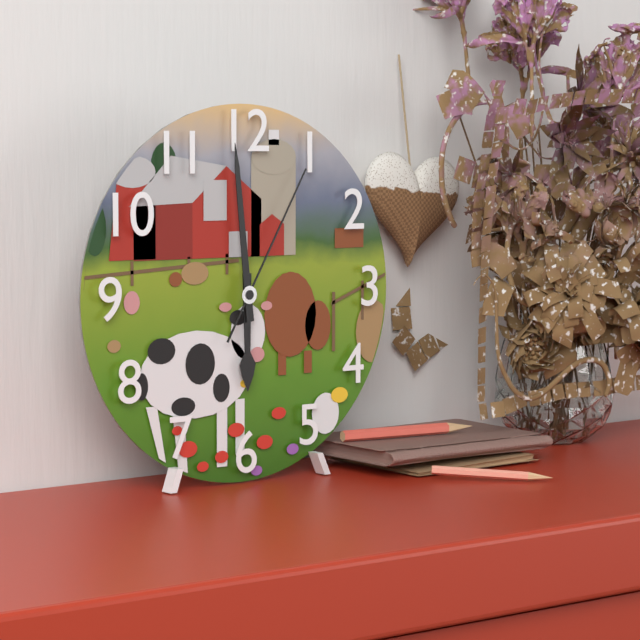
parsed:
**5:59:05**
